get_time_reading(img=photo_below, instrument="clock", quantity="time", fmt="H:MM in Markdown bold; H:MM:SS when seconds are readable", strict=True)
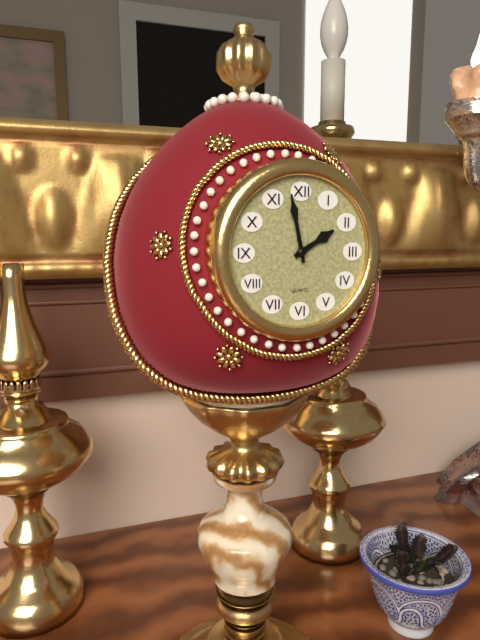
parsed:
**1:58**
